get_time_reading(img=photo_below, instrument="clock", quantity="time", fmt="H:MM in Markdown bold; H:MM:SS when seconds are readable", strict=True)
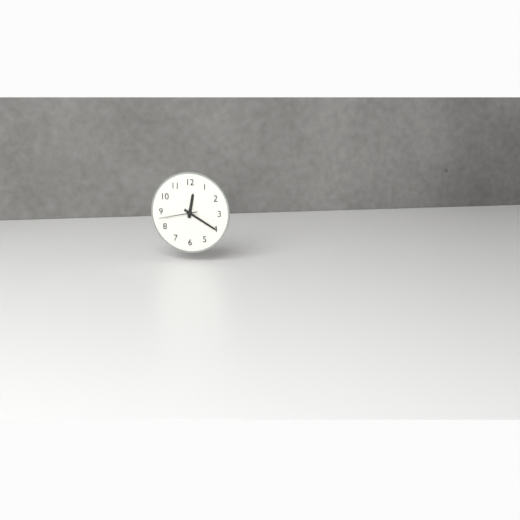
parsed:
**12:20**
